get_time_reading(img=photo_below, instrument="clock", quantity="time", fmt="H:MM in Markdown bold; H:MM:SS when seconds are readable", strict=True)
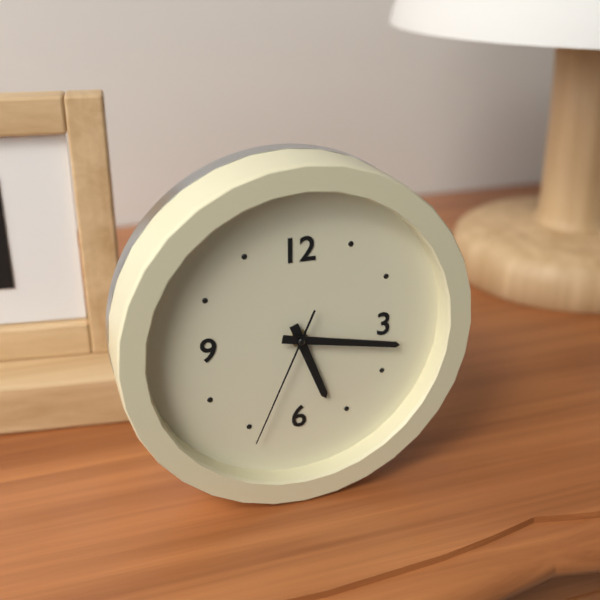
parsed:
**5:17:34**
